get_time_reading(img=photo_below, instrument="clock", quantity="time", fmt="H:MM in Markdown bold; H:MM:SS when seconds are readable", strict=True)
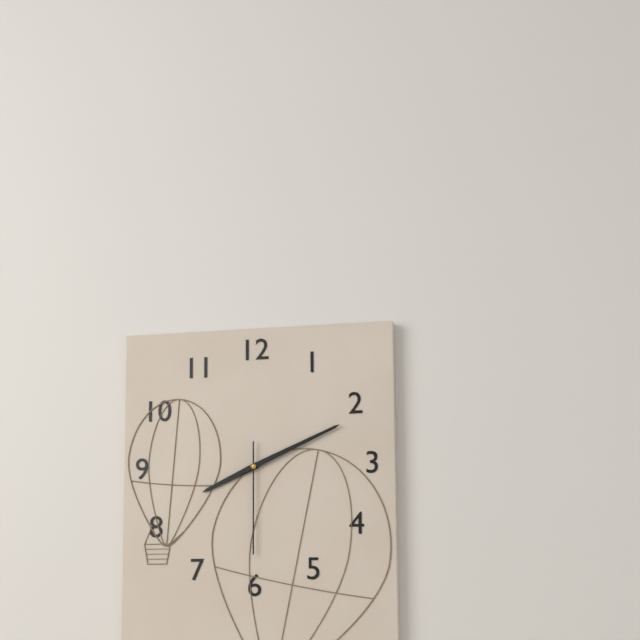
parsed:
**8:11:30**
